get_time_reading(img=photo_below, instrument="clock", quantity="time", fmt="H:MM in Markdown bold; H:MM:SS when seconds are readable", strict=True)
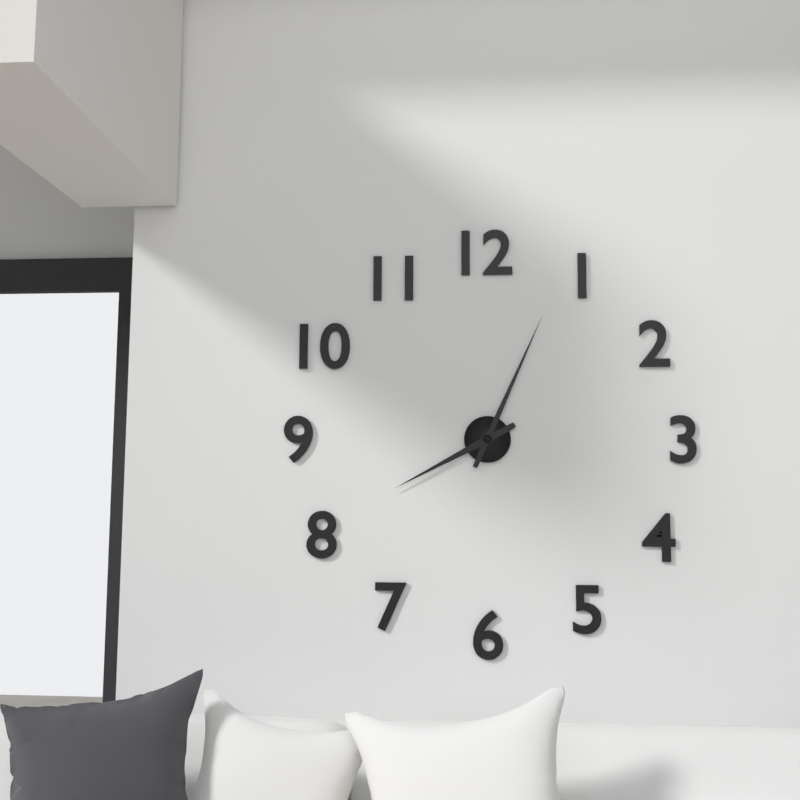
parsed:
**8:04**
